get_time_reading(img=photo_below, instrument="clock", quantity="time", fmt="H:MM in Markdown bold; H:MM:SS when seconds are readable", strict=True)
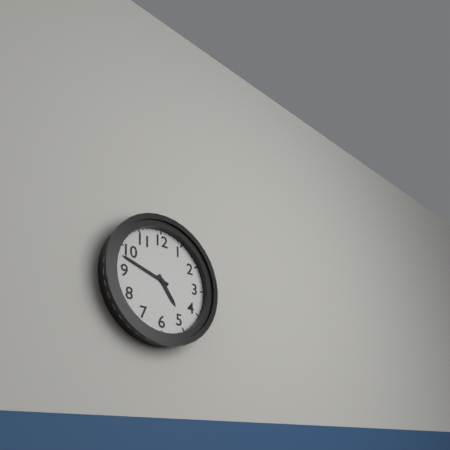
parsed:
**4:48**
